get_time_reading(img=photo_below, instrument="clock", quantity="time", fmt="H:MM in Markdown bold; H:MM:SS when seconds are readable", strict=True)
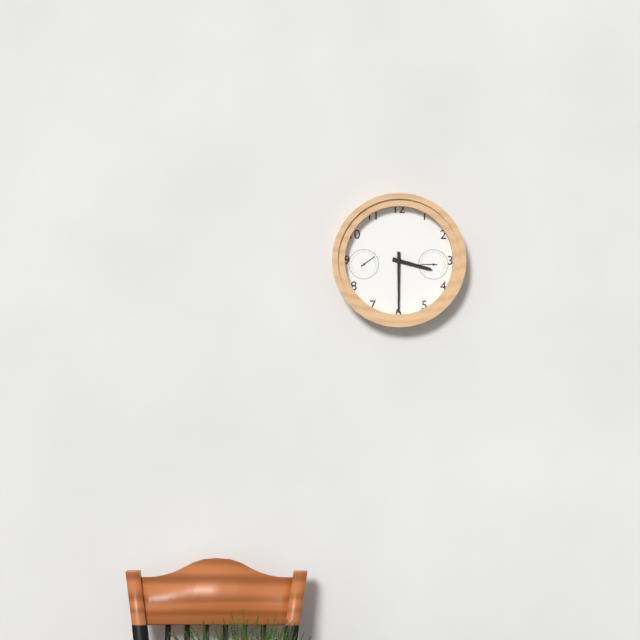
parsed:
**3:30**
